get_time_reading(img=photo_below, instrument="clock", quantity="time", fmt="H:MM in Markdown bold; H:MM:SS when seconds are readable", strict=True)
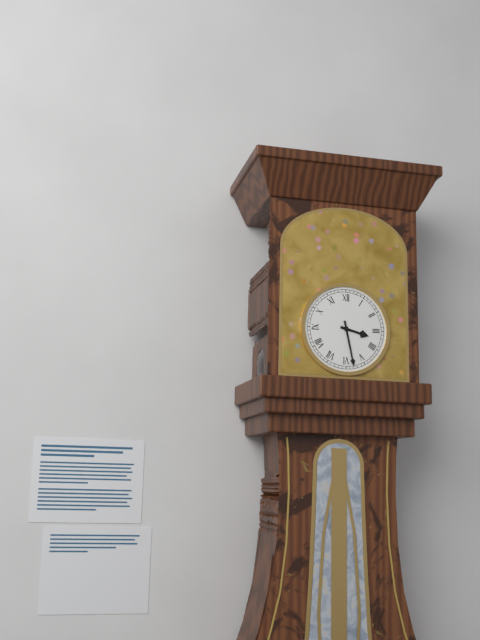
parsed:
**3:28**
